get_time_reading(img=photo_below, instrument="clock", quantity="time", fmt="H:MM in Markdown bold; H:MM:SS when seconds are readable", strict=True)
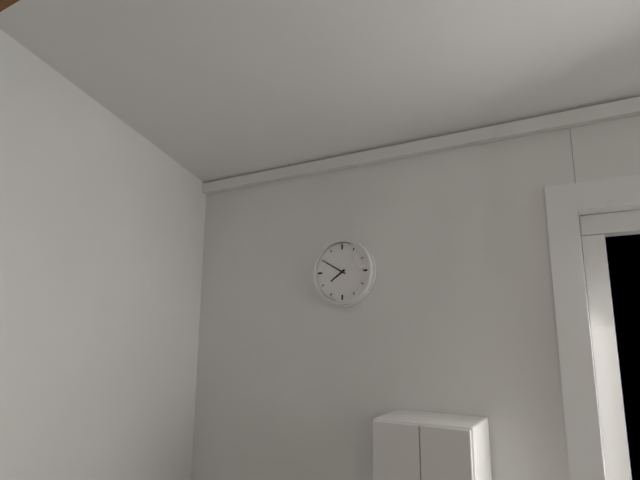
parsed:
**7:50**
